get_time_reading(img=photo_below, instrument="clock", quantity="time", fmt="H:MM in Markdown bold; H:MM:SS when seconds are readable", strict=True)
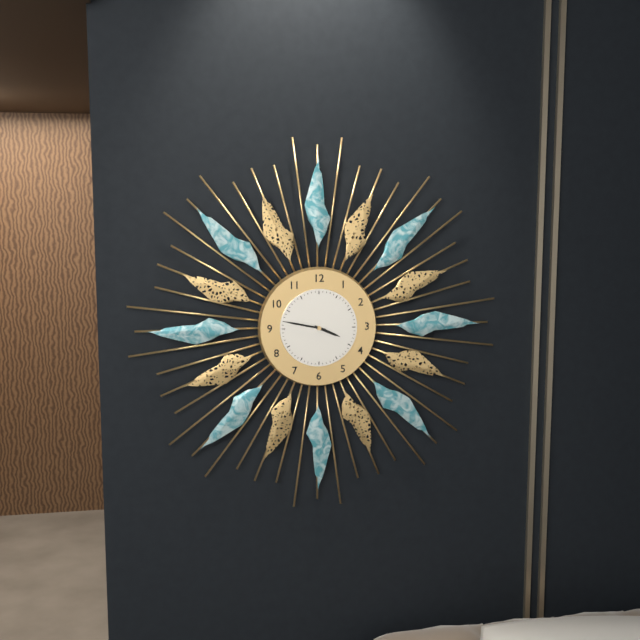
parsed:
**3:47**
